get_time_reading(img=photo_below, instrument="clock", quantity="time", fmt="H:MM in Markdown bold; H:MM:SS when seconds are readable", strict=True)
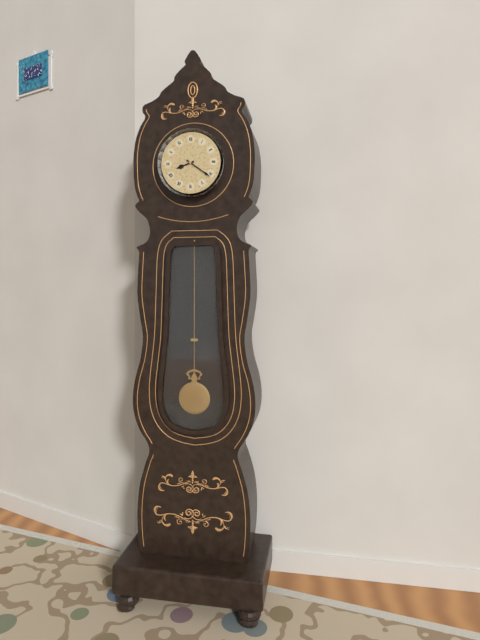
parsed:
**8:21**
